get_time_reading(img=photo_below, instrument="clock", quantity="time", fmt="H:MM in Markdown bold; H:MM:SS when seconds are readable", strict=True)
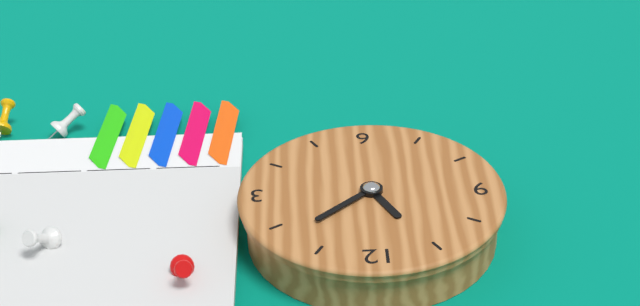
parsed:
**11:08**
